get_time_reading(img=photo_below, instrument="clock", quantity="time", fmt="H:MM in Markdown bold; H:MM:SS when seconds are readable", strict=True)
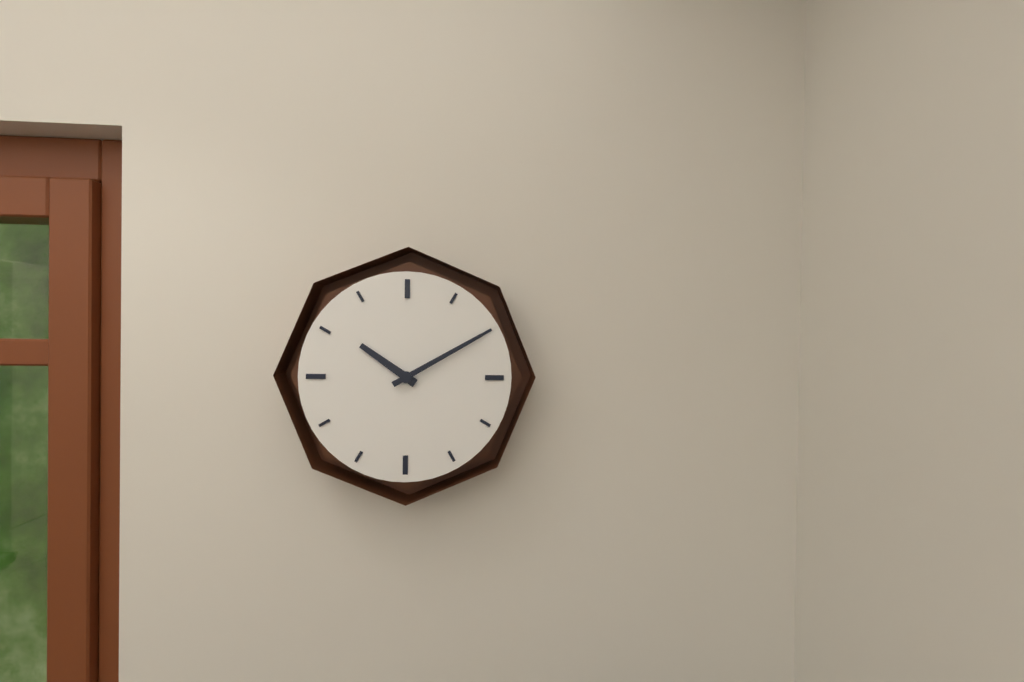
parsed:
**10:10**
